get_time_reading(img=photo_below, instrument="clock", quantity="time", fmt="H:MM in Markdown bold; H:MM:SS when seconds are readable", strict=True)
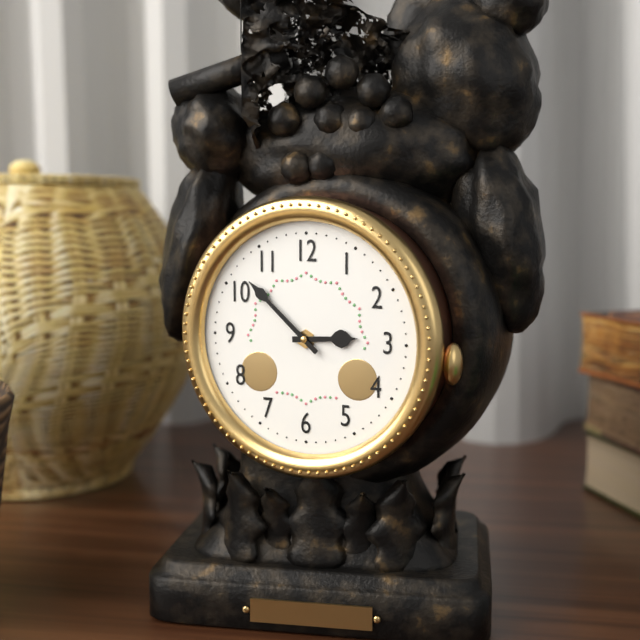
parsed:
**2:52**
